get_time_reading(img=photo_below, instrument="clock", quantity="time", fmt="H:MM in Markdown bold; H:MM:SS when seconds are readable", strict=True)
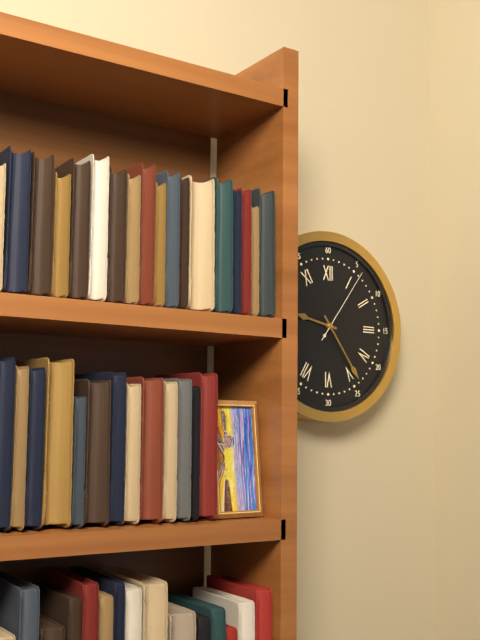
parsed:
**9:24:06**
